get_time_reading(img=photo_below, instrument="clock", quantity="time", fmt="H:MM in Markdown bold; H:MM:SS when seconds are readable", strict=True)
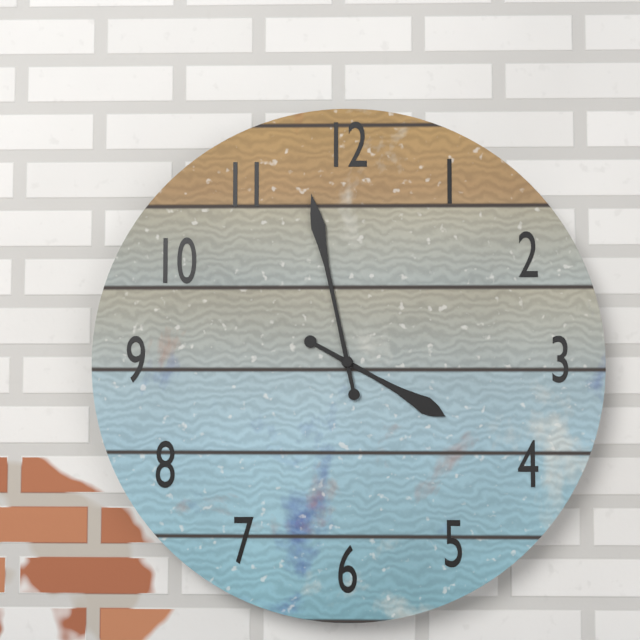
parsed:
**3:58**
